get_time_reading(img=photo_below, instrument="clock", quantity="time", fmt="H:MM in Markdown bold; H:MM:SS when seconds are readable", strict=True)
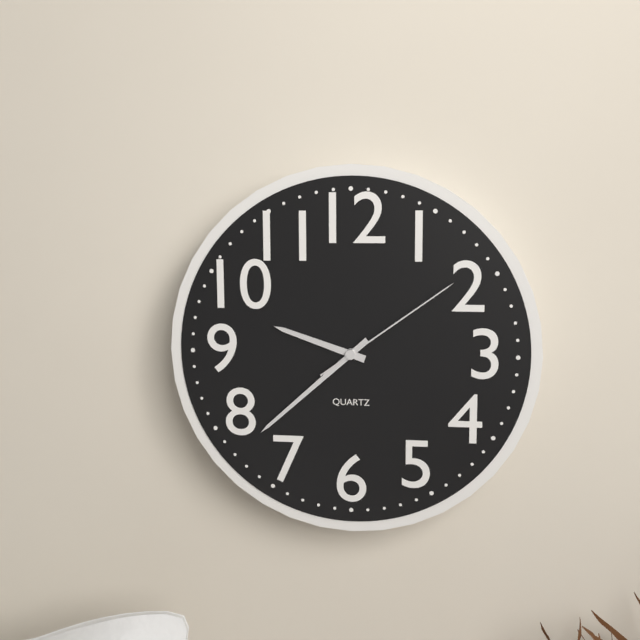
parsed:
**9:38:09**
